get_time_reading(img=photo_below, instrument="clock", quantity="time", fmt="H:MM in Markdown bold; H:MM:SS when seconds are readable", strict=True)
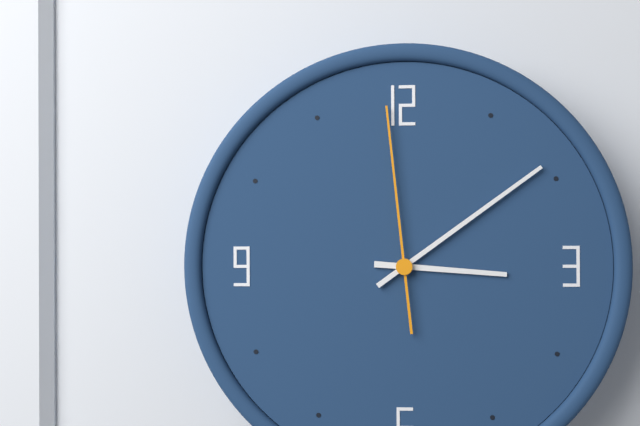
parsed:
**3:09:59**
